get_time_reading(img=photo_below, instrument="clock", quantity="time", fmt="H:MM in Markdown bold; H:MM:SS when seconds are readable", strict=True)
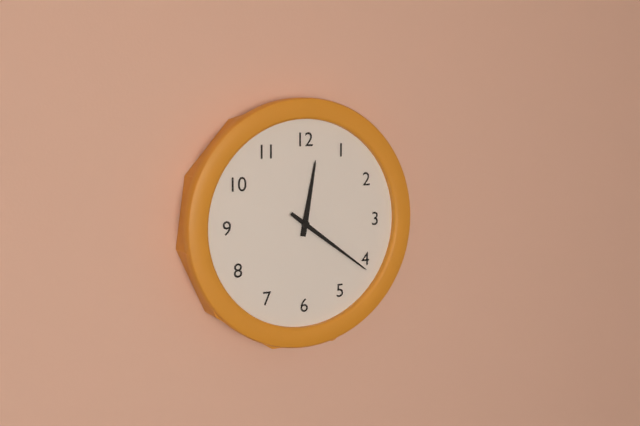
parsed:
**12:21**
